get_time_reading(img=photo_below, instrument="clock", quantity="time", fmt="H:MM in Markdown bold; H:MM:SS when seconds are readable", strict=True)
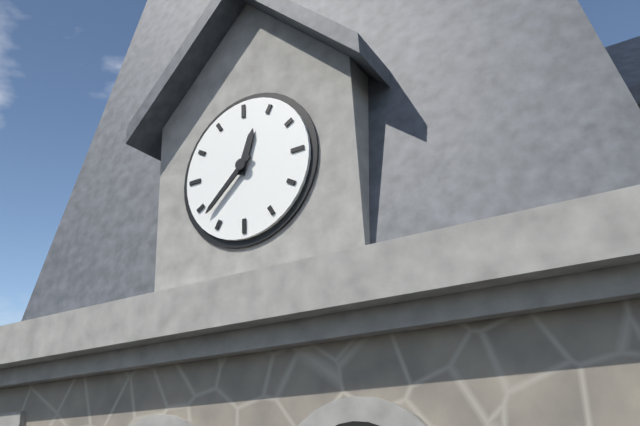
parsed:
**12:38**
